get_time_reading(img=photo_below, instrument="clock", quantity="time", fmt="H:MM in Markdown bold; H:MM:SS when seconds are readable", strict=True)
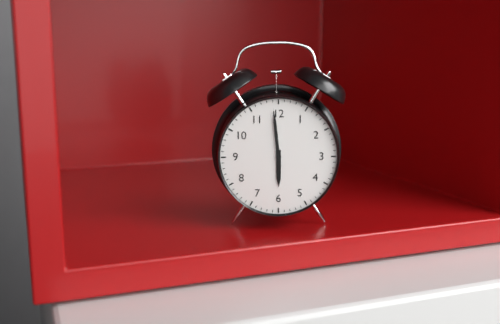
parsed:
**5:59**
